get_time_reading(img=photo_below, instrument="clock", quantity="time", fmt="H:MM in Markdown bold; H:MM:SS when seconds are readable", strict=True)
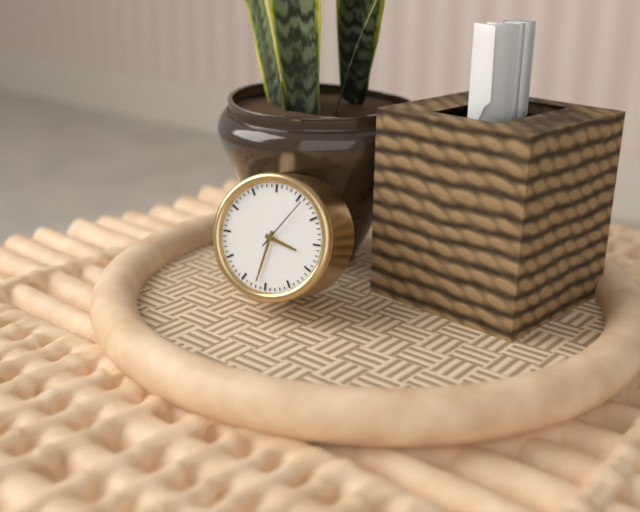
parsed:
**3:32:06**
